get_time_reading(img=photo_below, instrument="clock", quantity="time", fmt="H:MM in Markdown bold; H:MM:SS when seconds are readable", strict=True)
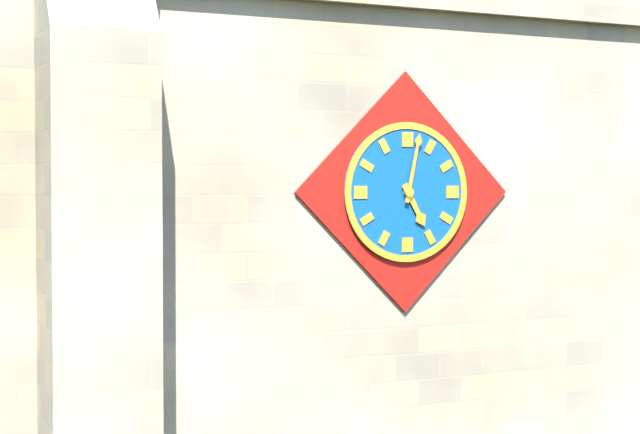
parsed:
**5:02**
